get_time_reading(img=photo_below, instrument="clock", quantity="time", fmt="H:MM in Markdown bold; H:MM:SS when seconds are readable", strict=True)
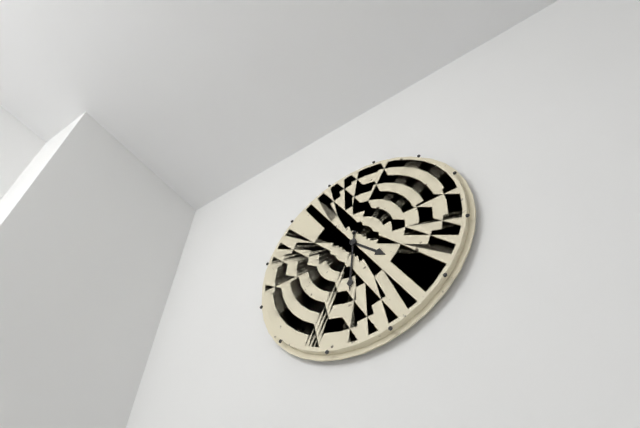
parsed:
**4:31**
